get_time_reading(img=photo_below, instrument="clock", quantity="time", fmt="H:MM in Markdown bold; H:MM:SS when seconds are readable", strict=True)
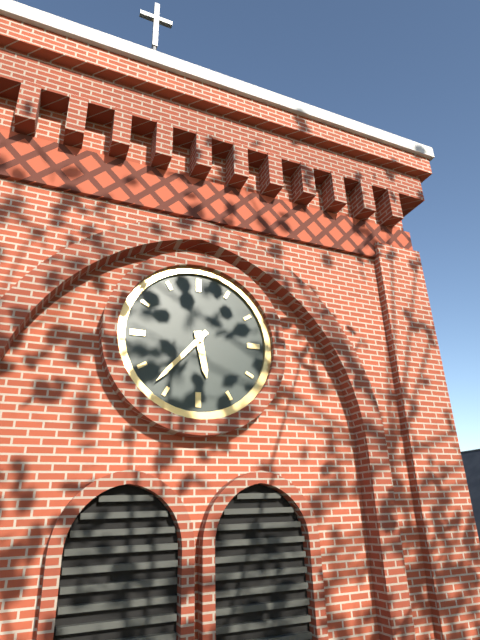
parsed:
**5:37**
